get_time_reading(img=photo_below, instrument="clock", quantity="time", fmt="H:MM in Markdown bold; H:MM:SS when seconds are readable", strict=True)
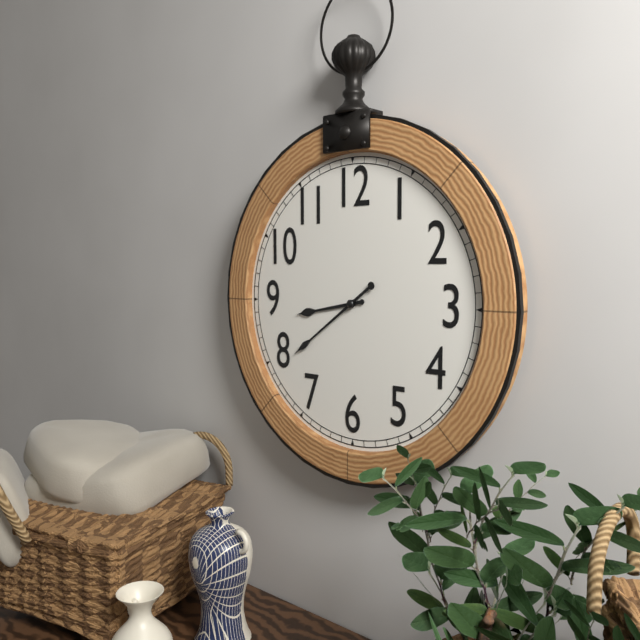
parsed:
**8:39**
